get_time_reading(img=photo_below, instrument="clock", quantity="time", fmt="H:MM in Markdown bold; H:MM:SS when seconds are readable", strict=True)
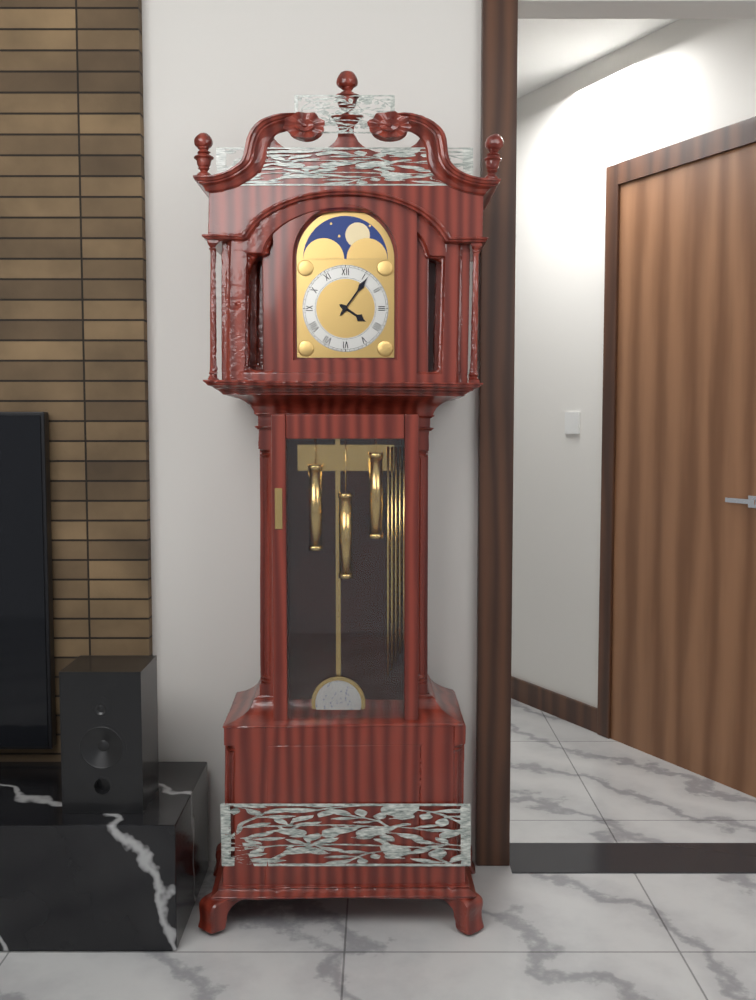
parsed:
**4:06**
